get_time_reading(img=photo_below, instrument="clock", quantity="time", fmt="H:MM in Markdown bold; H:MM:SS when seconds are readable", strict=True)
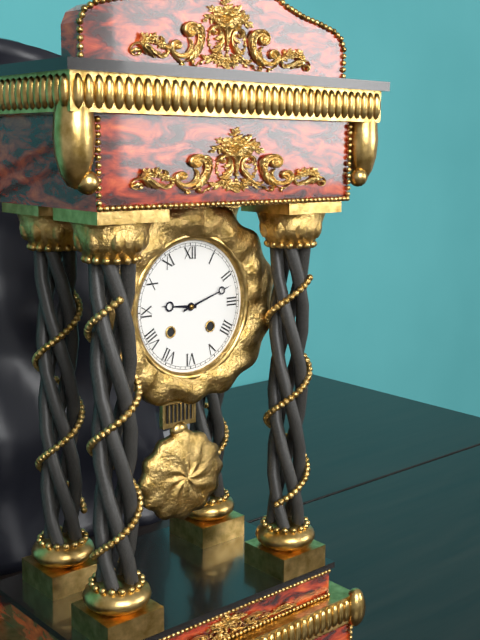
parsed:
**9:12**
